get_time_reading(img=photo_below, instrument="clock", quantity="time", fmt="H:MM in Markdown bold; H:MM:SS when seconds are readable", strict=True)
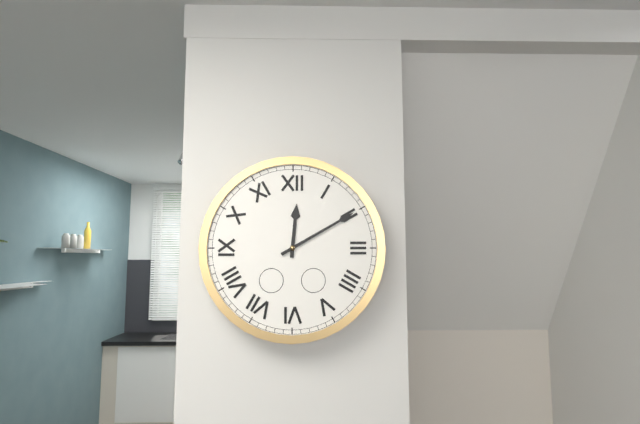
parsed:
**12:10**
